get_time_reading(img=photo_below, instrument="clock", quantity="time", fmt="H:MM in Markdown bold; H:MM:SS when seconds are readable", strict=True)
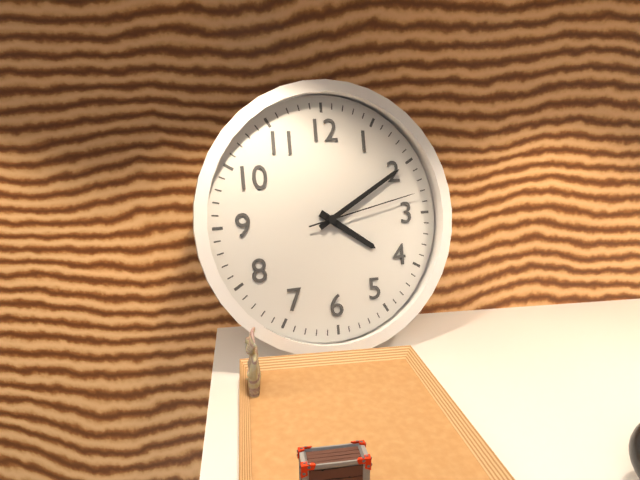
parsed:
**4:10:13**
